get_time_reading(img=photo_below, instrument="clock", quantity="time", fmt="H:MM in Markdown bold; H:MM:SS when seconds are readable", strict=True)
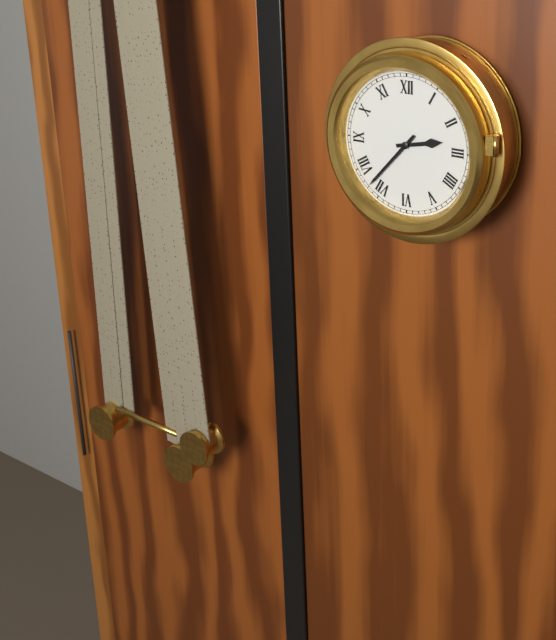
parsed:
**2:37**
